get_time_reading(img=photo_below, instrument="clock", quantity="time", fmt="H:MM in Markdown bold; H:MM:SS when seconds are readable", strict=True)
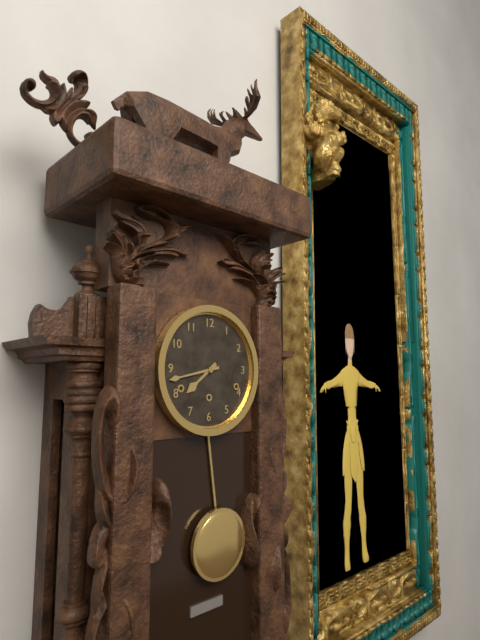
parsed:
**7:43**
